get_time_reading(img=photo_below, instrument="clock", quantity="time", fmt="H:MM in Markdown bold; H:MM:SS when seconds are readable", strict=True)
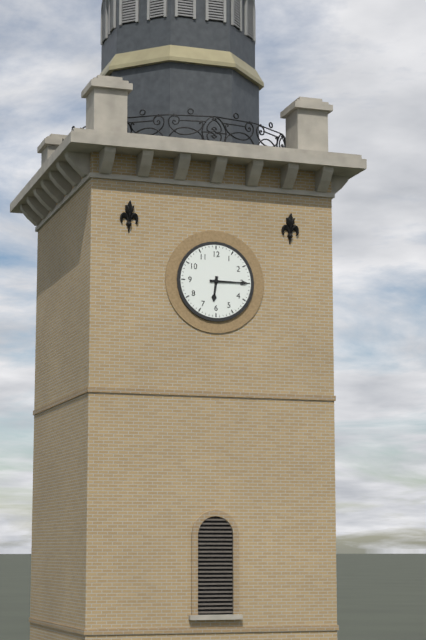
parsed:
**6:15**
